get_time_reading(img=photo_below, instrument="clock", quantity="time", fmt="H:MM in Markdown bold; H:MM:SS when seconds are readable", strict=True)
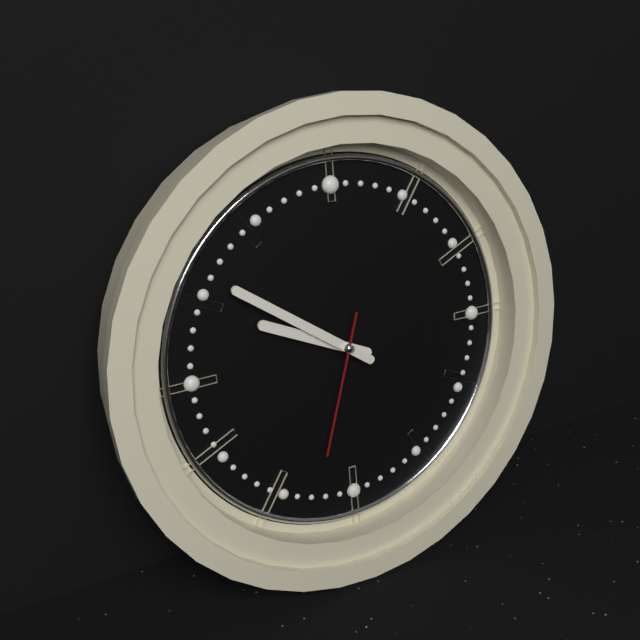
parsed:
**9:51:33**
